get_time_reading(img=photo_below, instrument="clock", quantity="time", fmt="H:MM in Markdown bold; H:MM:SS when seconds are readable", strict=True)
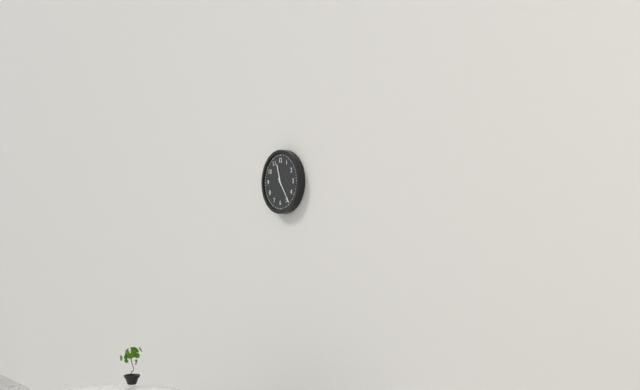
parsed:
**11:24**
